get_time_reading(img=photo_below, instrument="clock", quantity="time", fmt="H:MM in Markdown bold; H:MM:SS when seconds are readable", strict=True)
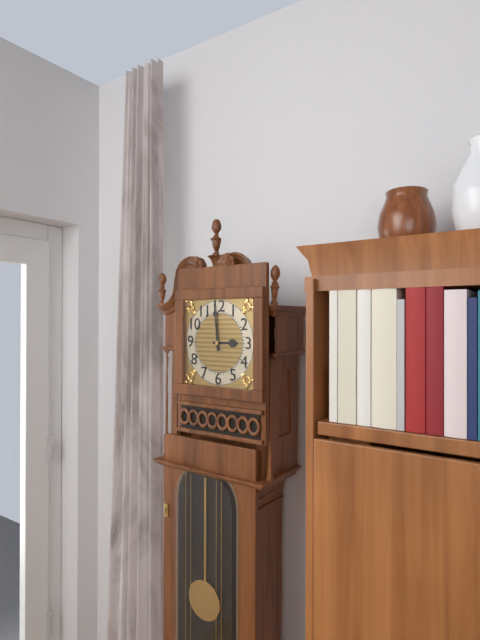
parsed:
**2:59**
